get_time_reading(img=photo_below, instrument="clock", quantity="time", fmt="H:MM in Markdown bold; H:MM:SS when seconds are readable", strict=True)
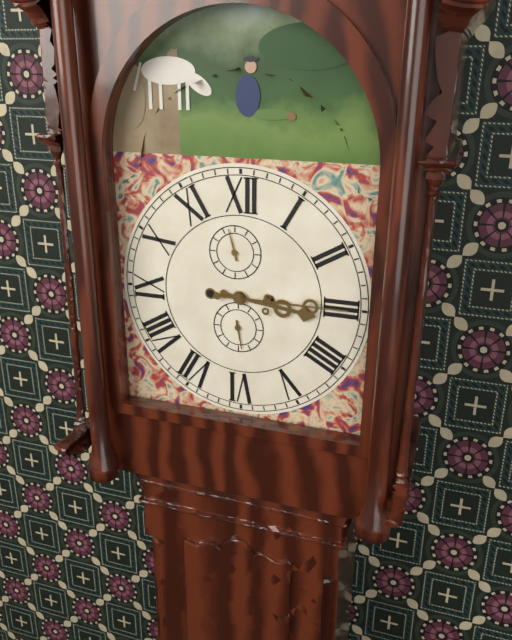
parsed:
**3:15**
